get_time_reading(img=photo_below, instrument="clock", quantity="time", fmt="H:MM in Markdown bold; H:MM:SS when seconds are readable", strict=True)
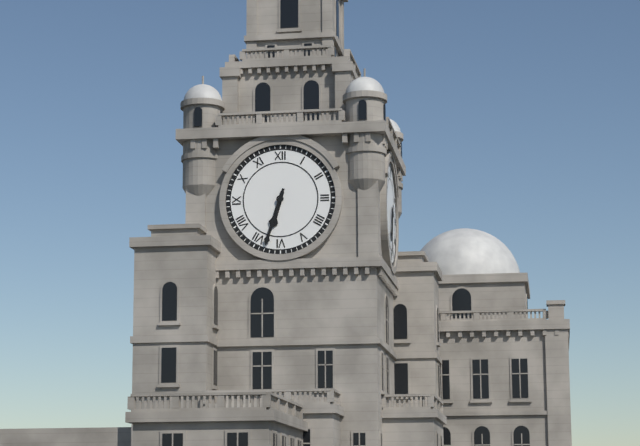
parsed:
**6:33**
